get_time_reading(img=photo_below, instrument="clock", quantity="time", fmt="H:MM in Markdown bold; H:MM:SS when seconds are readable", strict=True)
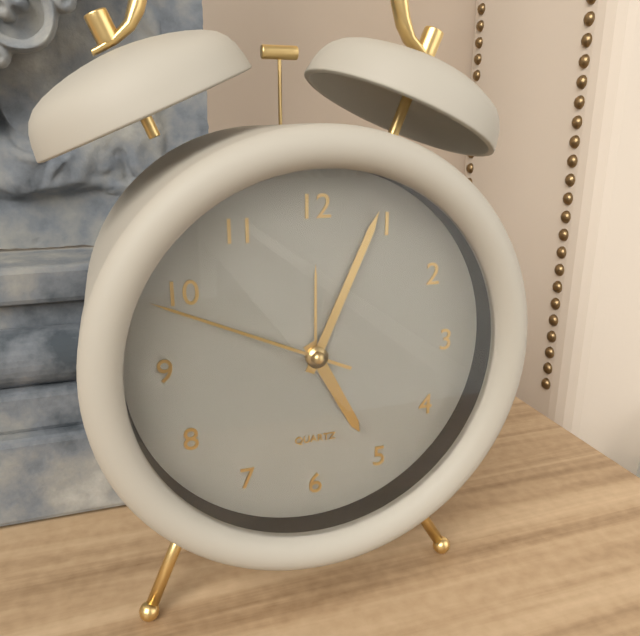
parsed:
**5:04:49**
